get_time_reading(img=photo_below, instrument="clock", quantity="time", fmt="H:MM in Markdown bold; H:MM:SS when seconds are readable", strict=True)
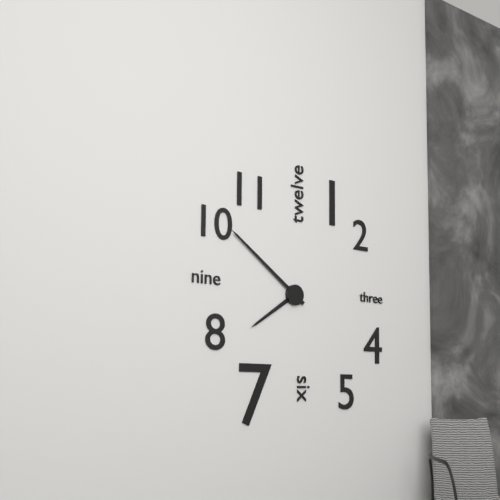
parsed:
**7:51**
